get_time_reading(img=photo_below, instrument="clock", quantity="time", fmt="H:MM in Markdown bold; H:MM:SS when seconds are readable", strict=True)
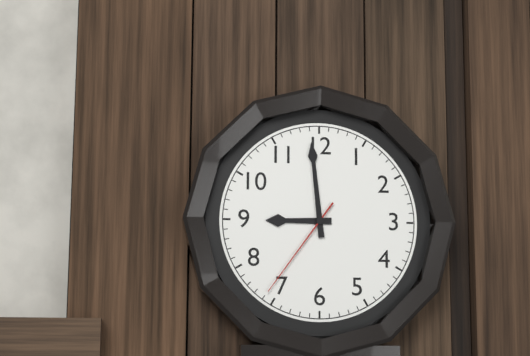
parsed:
**8:59:36**
